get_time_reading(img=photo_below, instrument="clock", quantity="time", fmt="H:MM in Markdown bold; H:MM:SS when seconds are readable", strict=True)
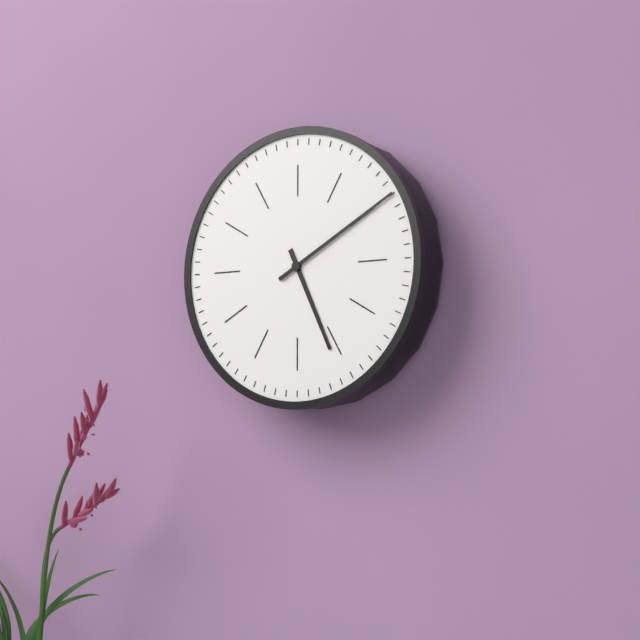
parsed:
**5:10**
